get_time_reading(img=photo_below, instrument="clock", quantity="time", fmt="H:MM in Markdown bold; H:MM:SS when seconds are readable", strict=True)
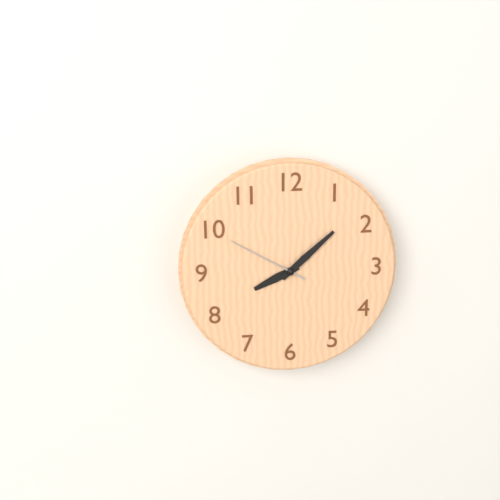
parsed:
**8:08:50**
